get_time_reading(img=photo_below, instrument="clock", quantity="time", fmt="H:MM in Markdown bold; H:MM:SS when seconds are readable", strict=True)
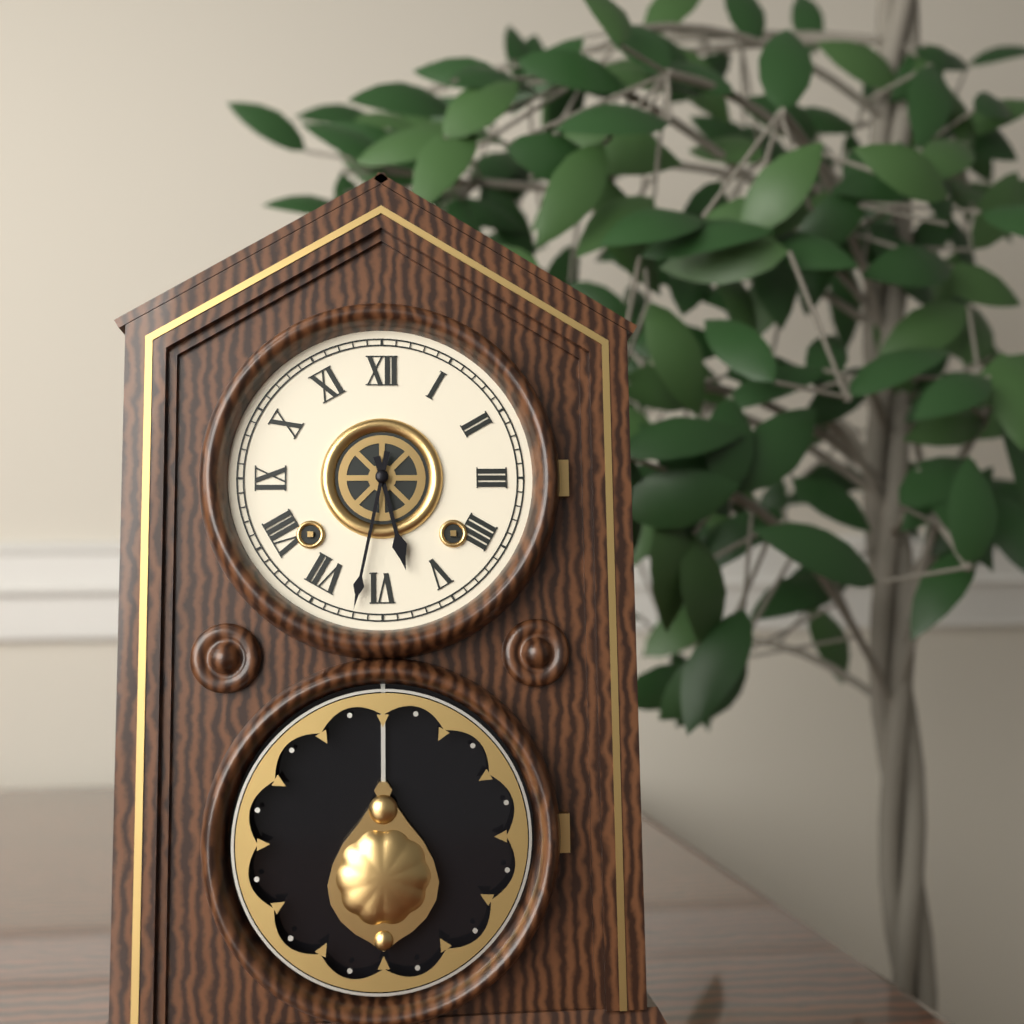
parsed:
**5:32**
